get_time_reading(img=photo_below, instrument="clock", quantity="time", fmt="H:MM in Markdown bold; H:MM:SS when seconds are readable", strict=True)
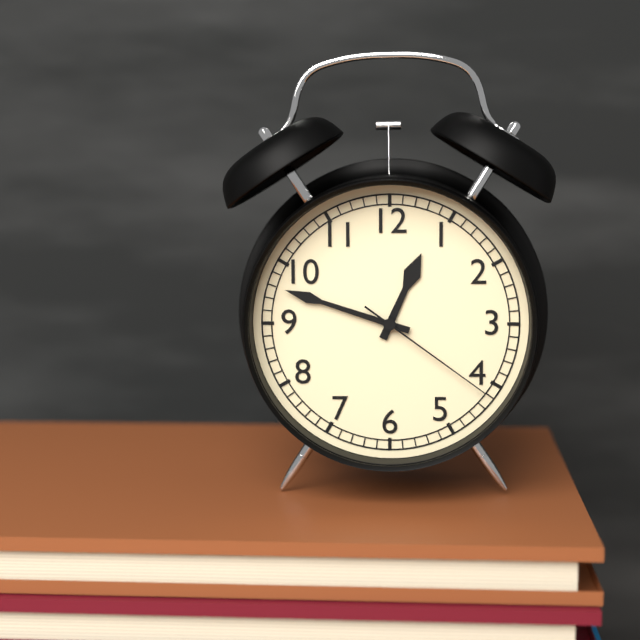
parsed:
**12:48:21**
